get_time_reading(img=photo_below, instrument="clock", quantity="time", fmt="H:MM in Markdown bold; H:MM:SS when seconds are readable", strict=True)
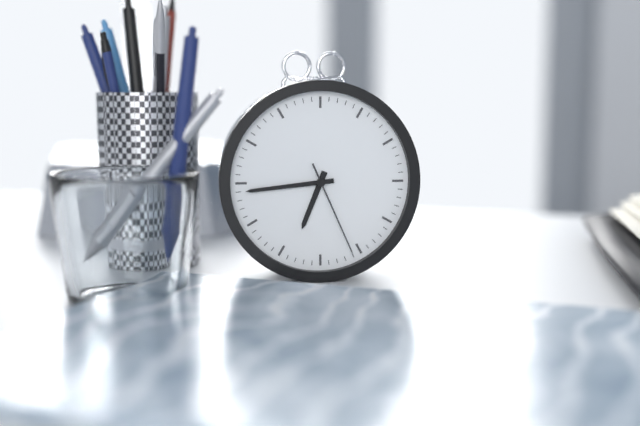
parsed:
**6:44:26**
